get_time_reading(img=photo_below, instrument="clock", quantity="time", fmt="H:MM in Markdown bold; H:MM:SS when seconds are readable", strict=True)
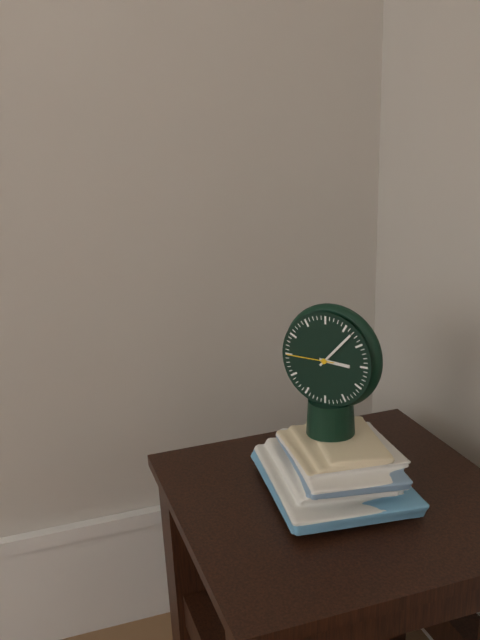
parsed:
**3:07:45**
